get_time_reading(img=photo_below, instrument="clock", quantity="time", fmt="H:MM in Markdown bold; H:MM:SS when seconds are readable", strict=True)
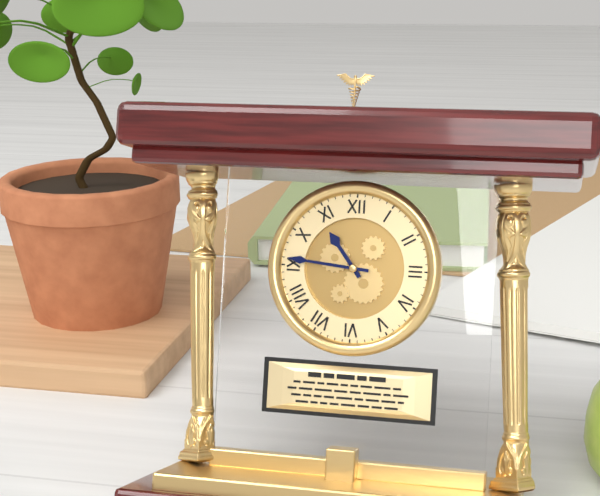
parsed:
**10:46**
